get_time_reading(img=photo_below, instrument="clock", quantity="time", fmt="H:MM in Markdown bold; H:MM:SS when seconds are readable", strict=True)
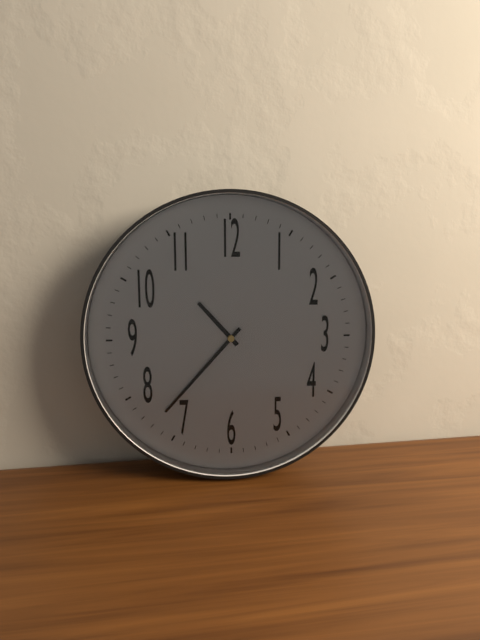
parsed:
**10:37**
